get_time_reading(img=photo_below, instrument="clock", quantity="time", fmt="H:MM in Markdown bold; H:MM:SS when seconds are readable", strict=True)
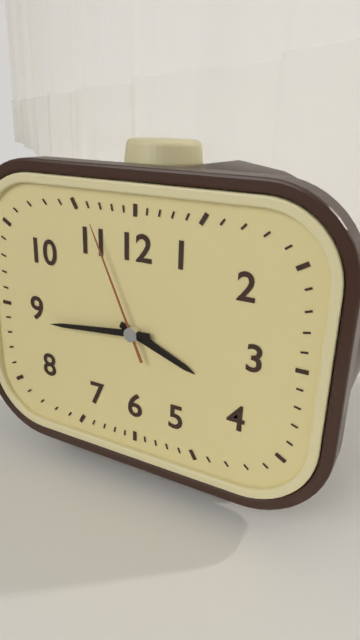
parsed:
**3:44:56**
